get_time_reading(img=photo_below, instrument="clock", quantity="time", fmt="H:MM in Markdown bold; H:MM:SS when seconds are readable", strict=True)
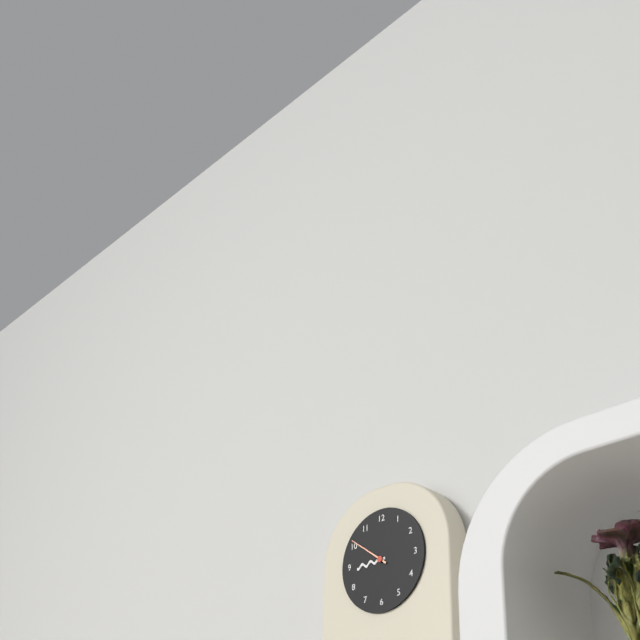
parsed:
**8:51**
